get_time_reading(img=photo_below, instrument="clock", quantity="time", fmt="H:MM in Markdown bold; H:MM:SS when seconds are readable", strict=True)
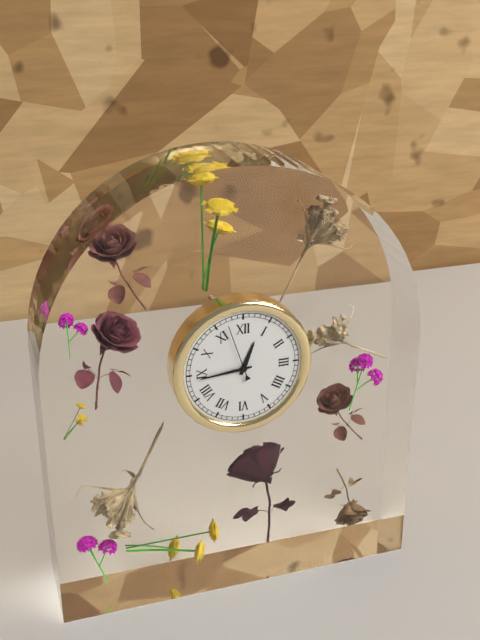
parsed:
**12:44:57**
